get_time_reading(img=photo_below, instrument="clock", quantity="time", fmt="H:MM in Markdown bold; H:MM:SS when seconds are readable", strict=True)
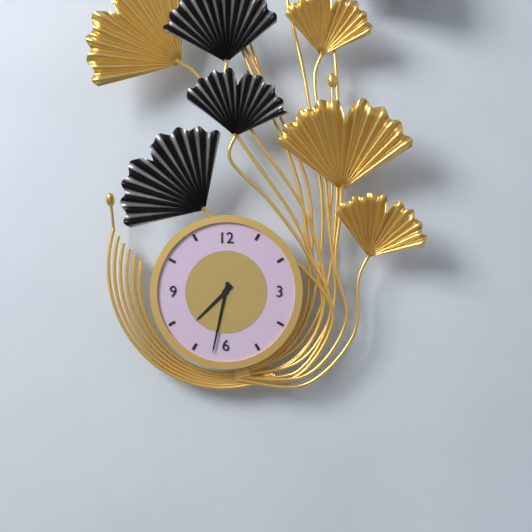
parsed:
**7:32**
